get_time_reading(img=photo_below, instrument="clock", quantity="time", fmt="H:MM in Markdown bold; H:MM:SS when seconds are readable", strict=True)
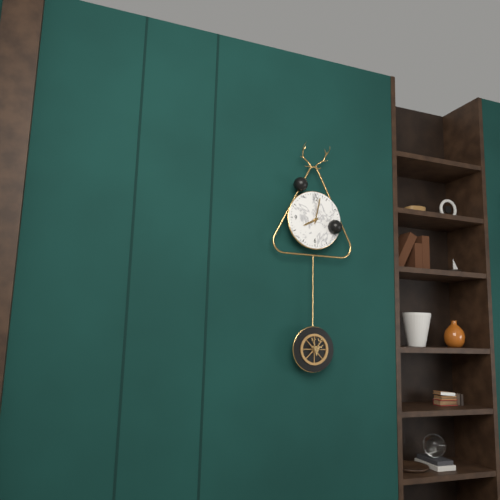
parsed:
**8:02**
